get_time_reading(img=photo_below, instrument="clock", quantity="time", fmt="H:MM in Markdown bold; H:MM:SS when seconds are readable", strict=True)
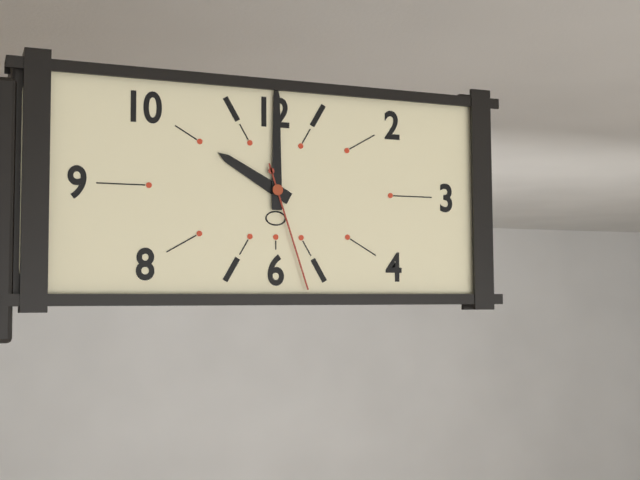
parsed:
**10:00:27**
